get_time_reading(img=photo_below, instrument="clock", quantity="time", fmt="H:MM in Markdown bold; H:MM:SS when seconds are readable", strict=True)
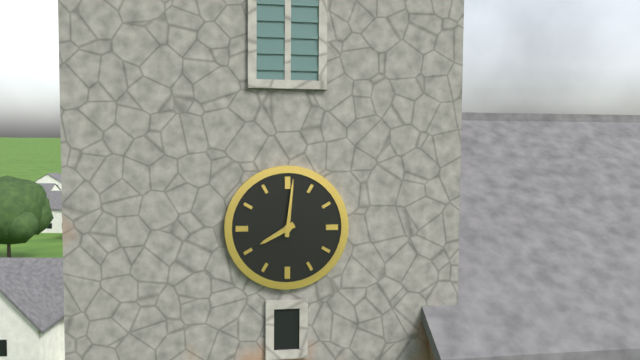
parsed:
**8:01**
